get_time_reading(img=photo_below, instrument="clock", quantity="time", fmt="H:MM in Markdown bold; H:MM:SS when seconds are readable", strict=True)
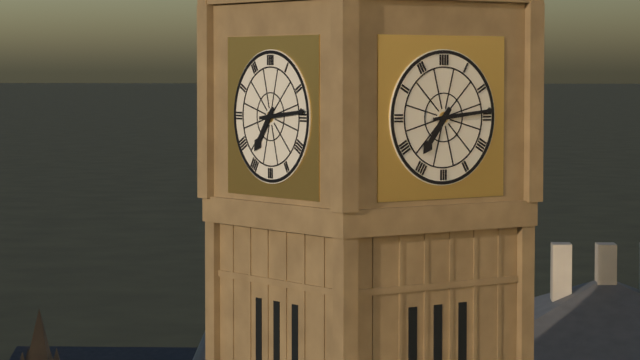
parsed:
**7:14**
